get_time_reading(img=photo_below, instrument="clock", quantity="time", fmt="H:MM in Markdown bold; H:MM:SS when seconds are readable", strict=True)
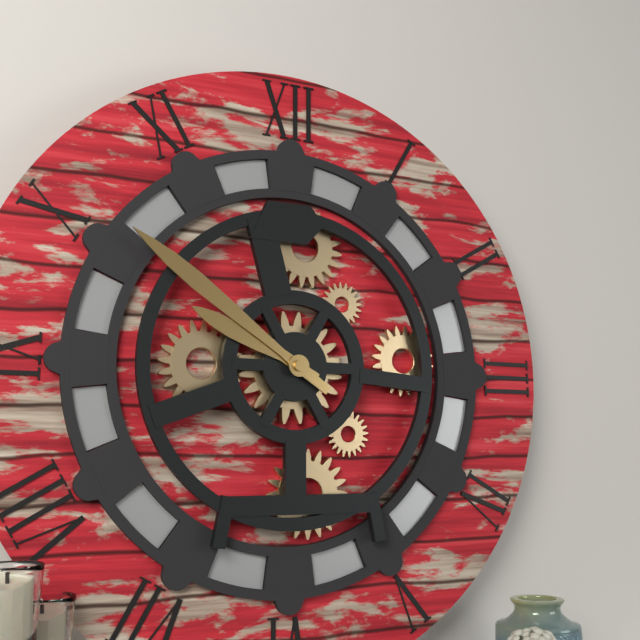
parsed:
**9:51**
